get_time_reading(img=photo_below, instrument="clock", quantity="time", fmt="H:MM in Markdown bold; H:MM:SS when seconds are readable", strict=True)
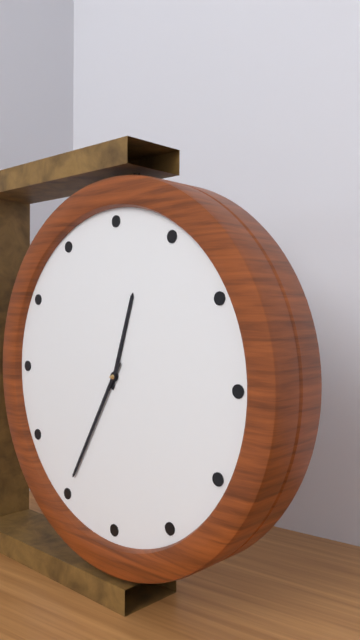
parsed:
**12:35**
